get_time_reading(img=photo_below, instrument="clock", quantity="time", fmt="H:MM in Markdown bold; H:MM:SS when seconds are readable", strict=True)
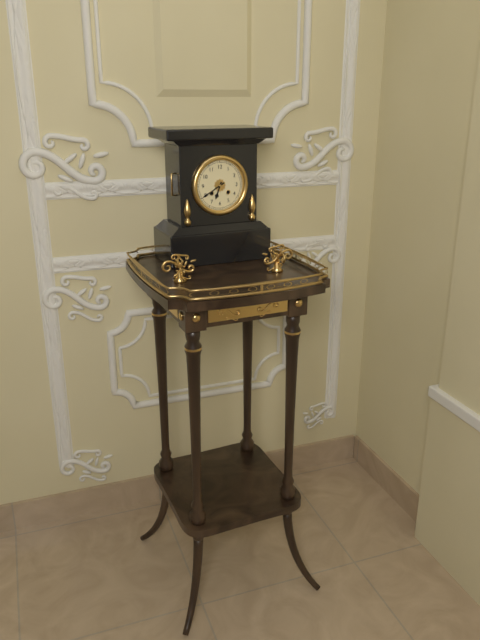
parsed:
**6:40**
